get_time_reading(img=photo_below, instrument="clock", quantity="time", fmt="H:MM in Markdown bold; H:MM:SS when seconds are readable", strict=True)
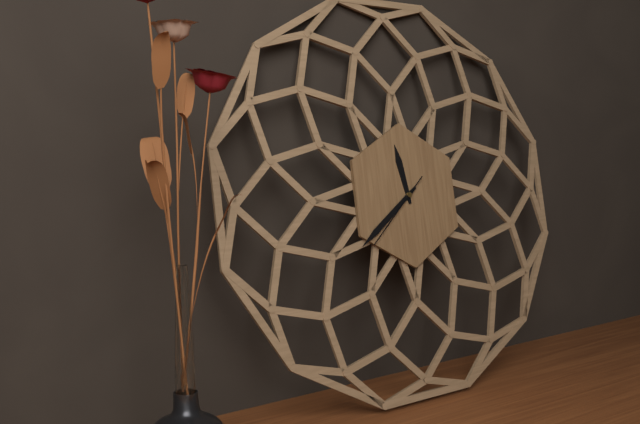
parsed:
**11:39:38**
